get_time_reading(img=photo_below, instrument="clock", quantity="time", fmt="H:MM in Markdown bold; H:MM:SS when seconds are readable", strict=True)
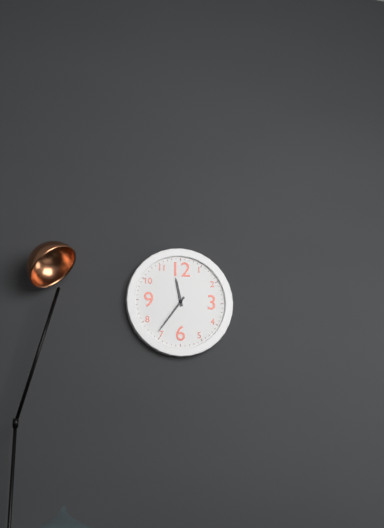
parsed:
**11:36**
